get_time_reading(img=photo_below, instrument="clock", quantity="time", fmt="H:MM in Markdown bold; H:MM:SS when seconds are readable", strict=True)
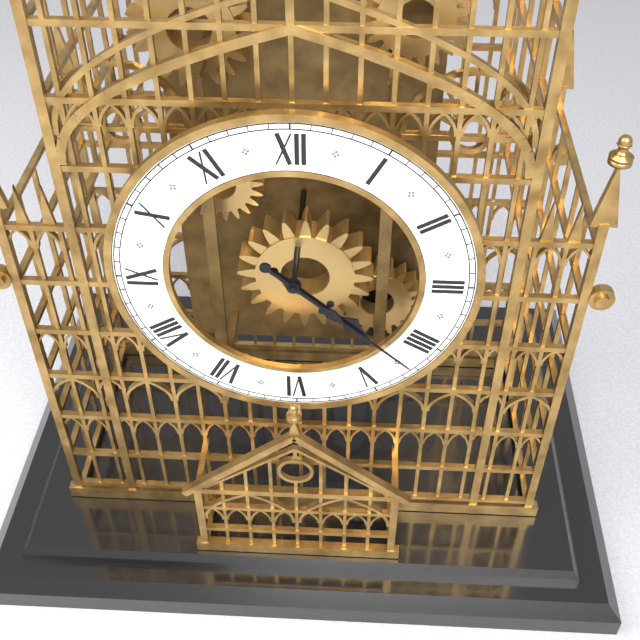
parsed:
**4:22**
